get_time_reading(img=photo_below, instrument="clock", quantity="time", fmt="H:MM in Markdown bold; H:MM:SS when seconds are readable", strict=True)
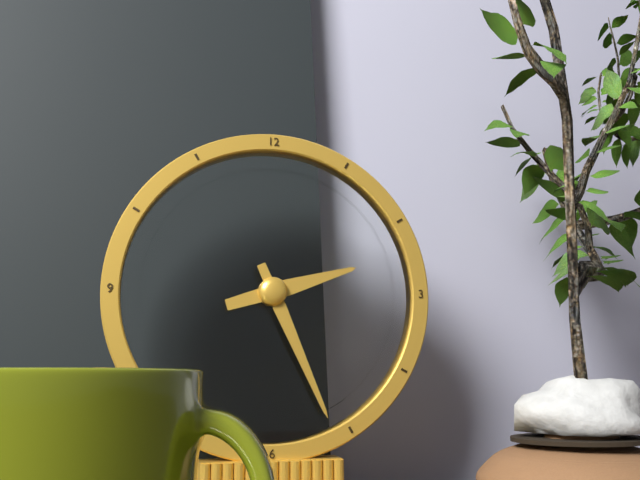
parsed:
**2:26**
